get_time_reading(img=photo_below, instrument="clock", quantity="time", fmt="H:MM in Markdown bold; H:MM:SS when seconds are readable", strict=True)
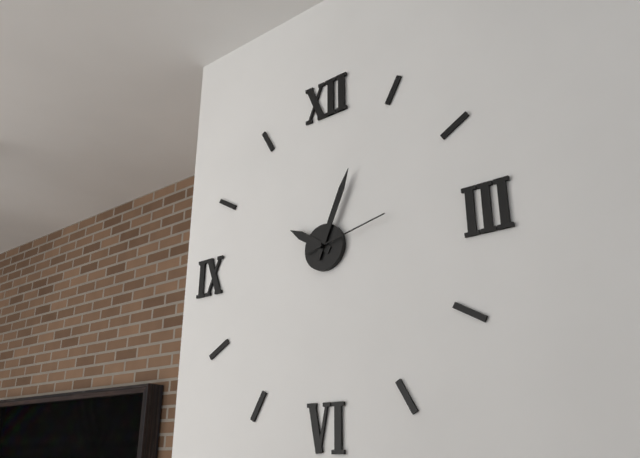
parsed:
**10:04:13**
